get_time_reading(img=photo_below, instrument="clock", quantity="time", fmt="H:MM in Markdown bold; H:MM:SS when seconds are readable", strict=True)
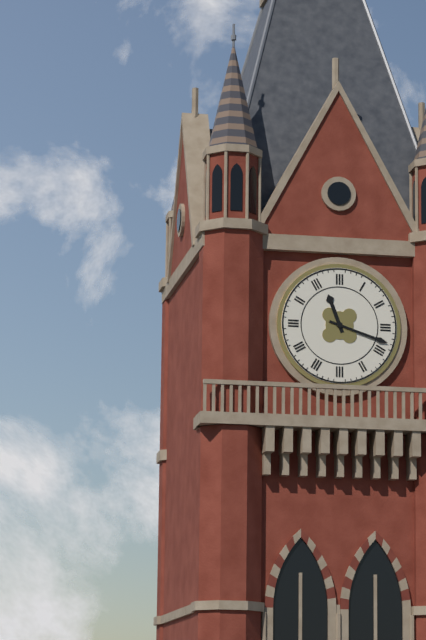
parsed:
**11:18**
